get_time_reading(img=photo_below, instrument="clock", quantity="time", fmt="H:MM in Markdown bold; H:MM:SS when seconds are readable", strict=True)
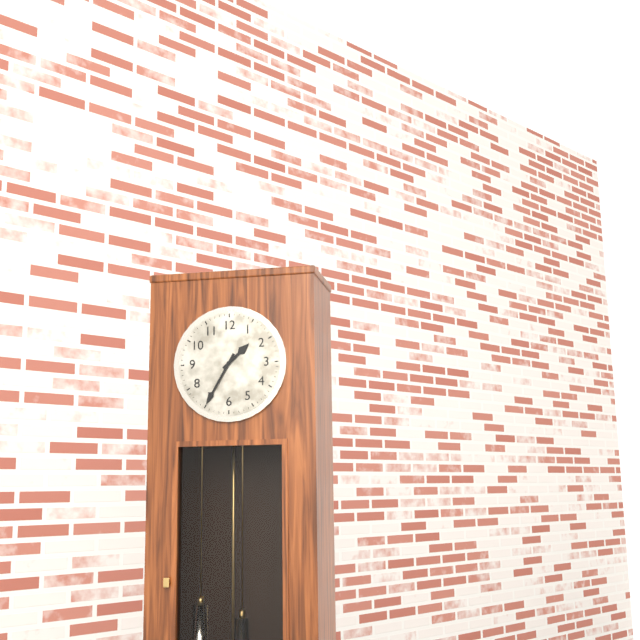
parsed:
**1:35**
